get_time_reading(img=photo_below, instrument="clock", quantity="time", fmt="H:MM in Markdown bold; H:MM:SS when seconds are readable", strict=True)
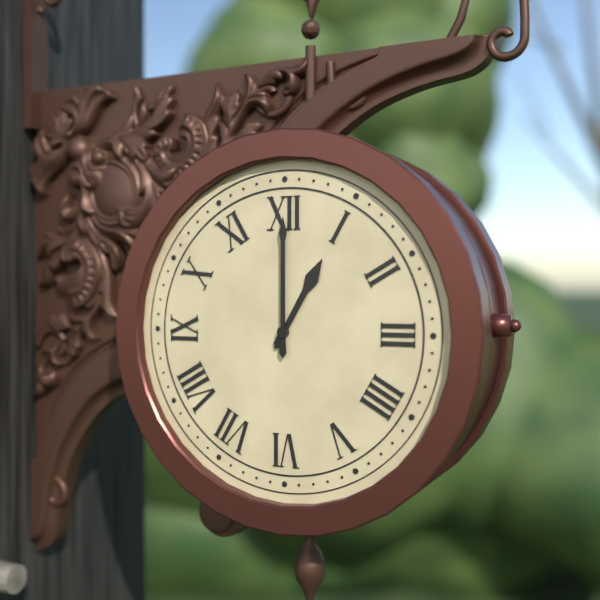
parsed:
**1:00**
